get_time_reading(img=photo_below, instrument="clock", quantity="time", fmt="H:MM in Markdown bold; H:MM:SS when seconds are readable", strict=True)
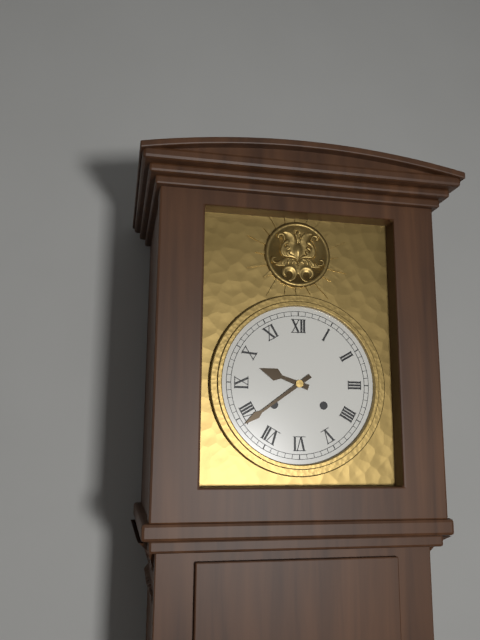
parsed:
**9:39**
